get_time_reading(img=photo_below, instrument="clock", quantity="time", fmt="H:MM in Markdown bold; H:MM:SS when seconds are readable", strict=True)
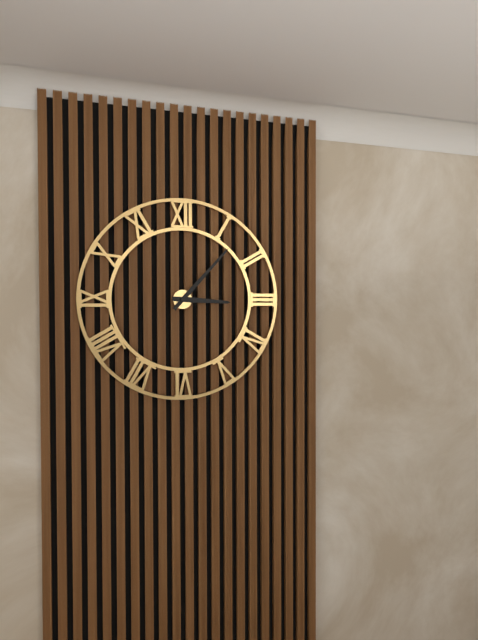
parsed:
**3:07**
